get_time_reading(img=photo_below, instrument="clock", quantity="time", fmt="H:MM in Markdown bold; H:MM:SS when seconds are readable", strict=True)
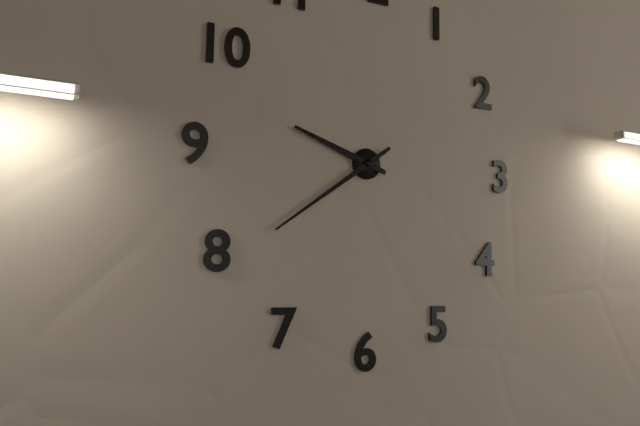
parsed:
**9:39**
